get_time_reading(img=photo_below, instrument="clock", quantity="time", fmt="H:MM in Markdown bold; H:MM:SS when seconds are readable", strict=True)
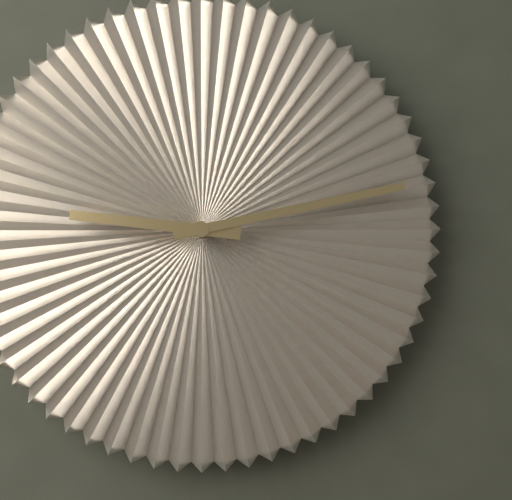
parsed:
**9:13**
